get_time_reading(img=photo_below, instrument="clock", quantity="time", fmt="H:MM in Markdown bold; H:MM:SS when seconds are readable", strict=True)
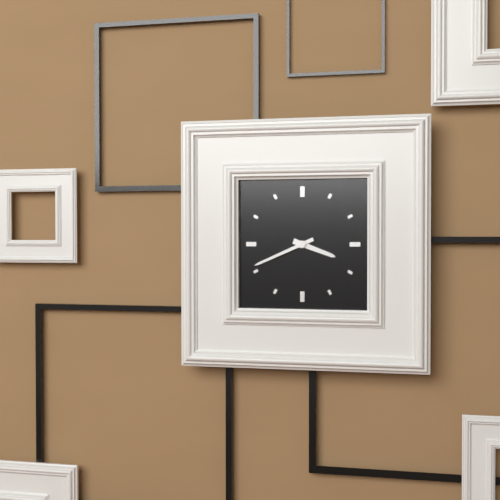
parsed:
**3:41**
